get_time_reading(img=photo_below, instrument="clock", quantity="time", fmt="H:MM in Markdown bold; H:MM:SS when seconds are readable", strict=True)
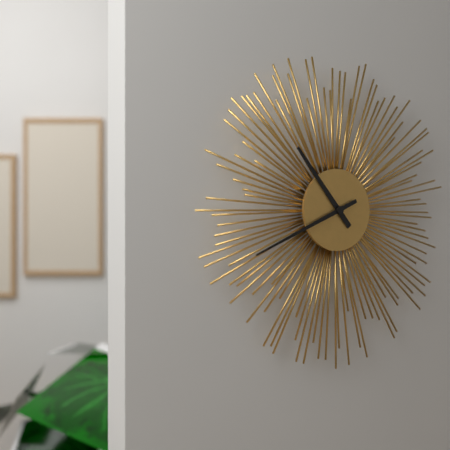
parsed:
**10:41**
